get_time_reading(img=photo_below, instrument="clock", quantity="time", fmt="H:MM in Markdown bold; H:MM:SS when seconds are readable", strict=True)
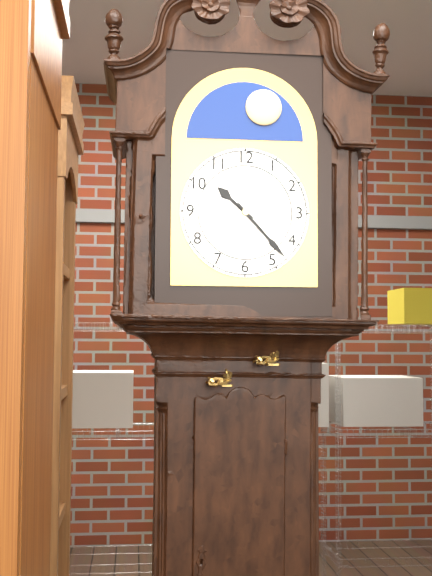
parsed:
**10:23**
